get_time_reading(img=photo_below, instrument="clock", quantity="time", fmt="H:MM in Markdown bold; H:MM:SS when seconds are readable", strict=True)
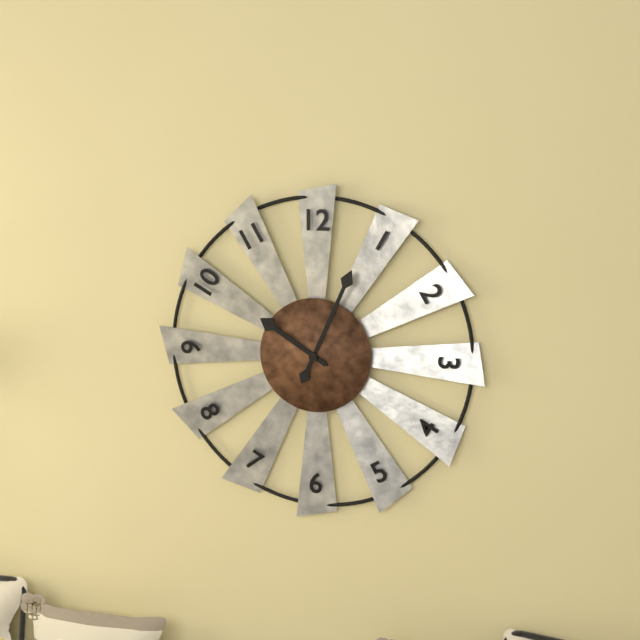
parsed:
**10:04**
